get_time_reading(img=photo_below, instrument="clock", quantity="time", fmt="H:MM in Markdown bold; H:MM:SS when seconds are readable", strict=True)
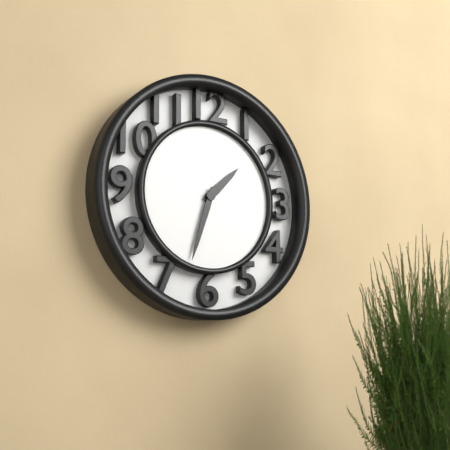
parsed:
**1:33**
